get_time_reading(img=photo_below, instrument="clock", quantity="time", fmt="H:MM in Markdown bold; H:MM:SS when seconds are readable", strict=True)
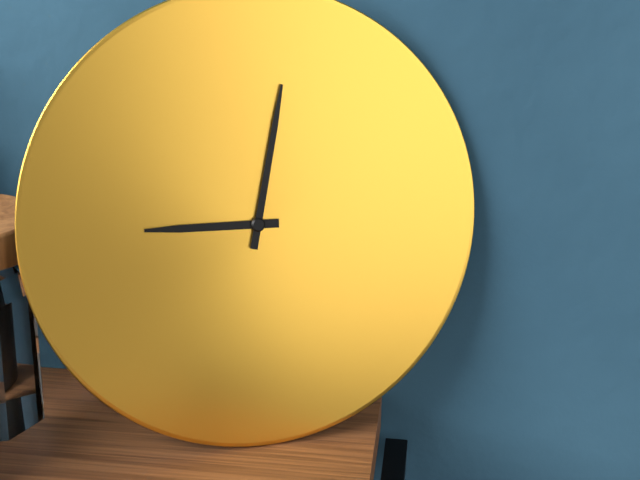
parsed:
**9:02**
